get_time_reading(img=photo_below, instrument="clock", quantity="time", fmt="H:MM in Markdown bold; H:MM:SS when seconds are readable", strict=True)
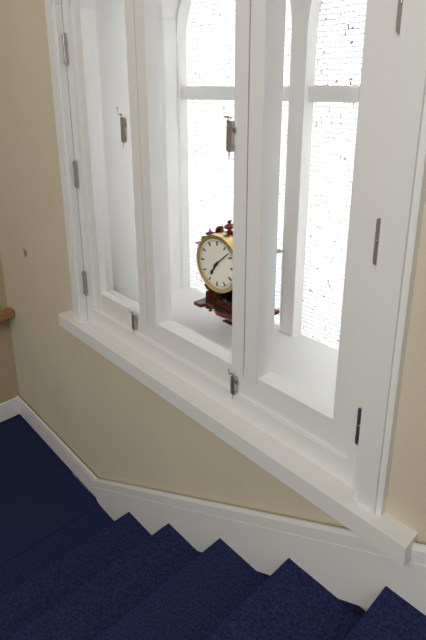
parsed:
**7:08**
